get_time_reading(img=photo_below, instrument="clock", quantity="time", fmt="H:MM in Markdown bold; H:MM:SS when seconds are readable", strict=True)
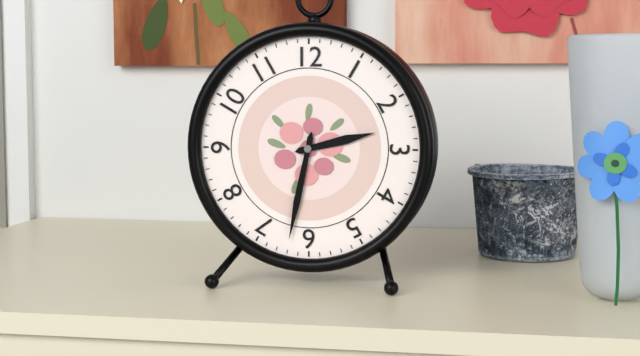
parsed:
**2:32**
